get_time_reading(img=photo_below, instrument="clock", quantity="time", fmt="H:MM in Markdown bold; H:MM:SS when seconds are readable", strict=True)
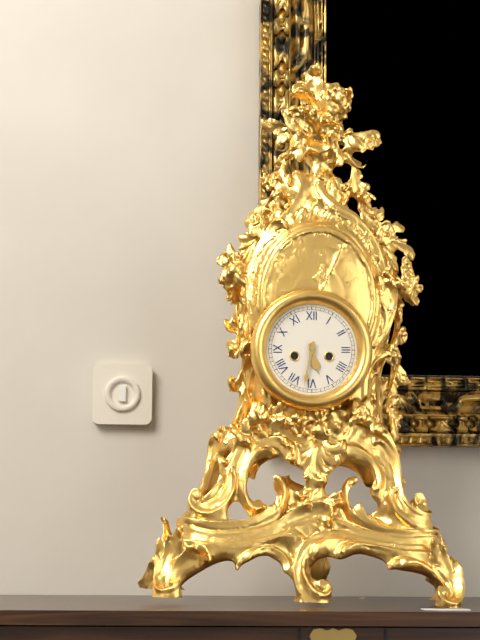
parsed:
**5:32**
